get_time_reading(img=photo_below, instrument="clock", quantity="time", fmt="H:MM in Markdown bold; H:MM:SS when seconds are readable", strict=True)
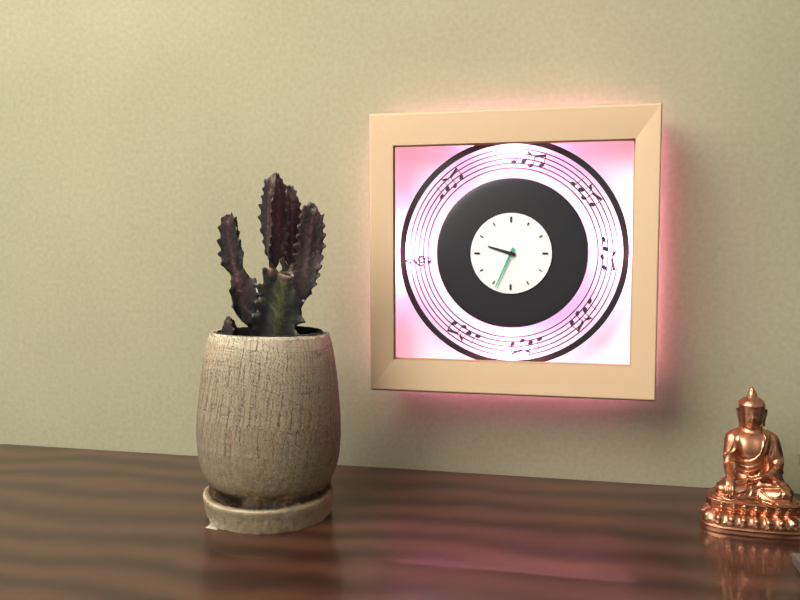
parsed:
**9:34**
